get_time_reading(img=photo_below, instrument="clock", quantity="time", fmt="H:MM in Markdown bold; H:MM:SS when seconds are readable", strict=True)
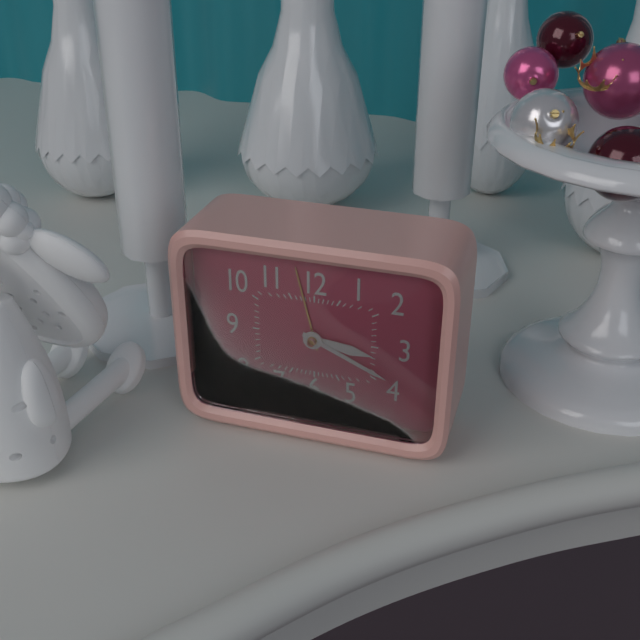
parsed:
**3:19**
